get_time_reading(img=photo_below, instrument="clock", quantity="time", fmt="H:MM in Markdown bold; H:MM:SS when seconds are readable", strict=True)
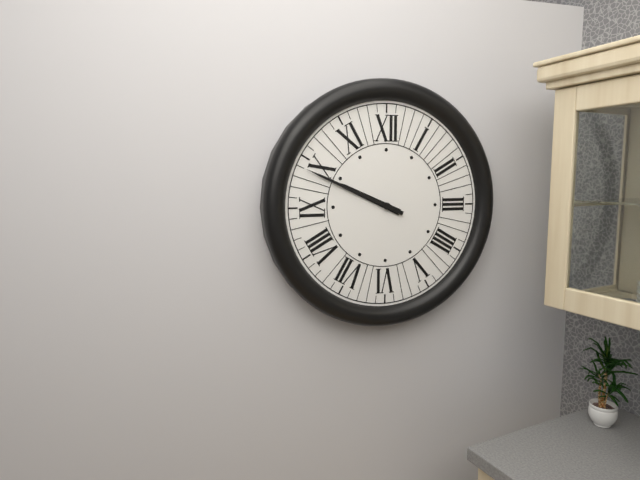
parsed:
**9:49**
